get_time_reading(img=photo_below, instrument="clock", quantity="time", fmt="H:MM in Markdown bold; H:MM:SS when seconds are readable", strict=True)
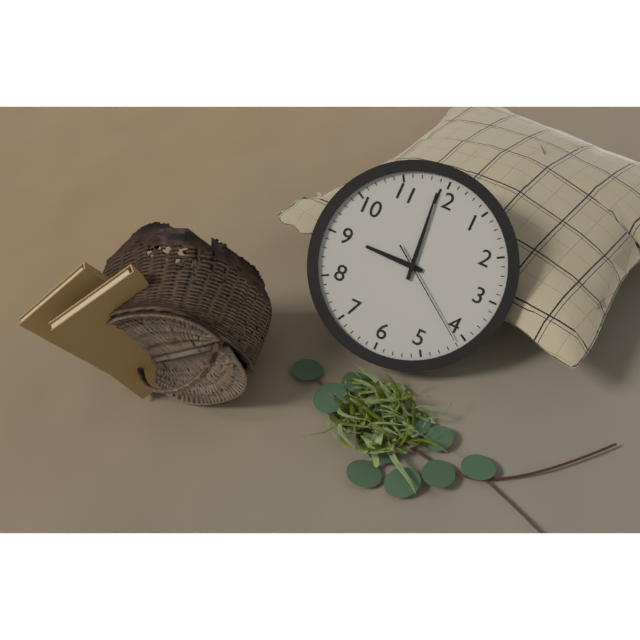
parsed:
**8:59:21**
